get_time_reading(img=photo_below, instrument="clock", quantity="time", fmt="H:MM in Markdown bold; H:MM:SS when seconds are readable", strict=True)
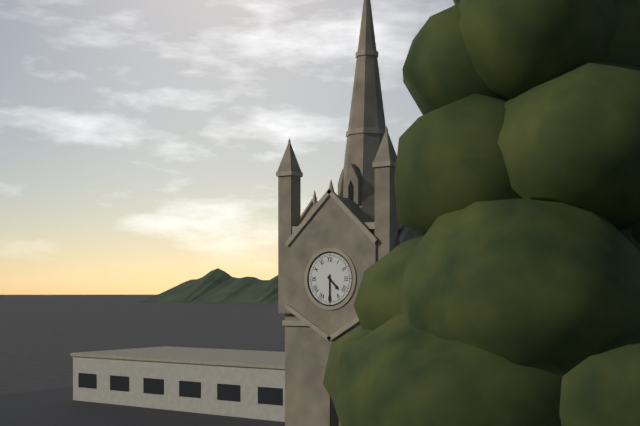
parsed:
**4:30**
